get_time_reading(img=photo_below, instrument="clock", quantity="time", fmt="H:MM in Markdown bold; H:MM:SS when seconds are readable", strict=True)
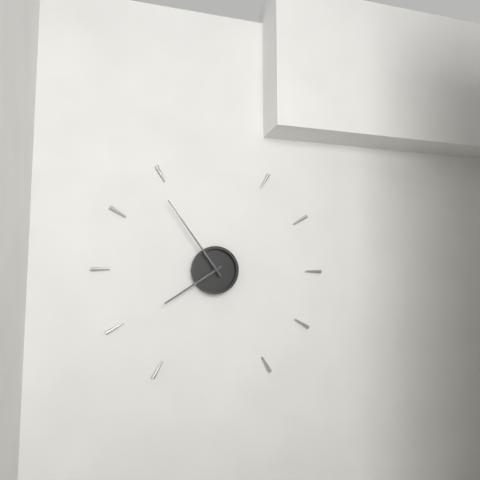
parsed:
**7:54**
